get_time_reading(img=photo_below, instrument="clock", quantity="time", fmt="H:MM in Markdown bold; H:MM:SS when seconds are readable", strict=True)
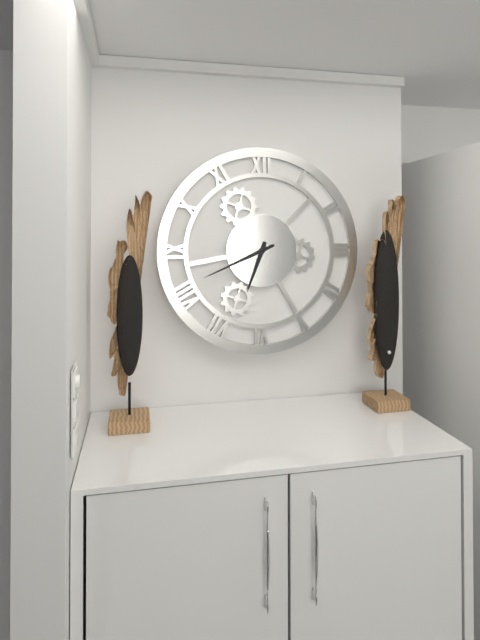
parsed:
**6:41**
